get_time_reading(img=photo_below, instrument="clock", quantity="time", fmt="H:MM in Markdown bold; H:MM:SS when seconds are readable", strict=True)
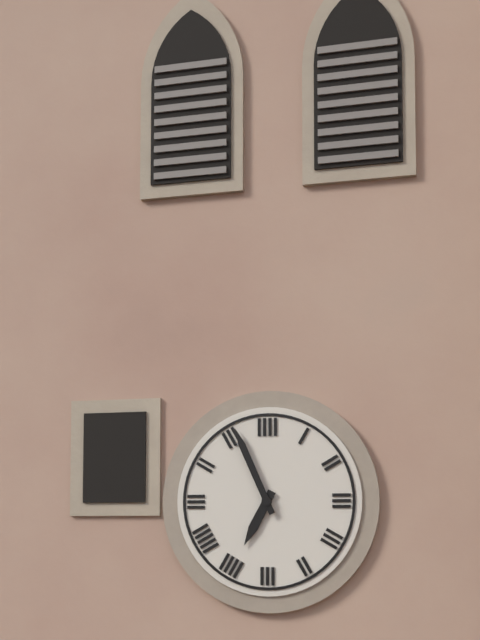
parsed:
**6:56**
